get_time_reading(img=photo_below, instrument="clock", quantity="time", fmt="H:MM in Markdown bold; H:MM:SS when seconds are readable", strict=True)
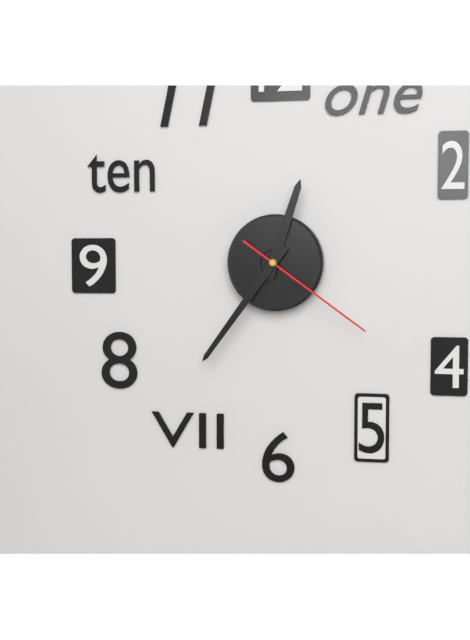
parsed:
**12:36:21**
